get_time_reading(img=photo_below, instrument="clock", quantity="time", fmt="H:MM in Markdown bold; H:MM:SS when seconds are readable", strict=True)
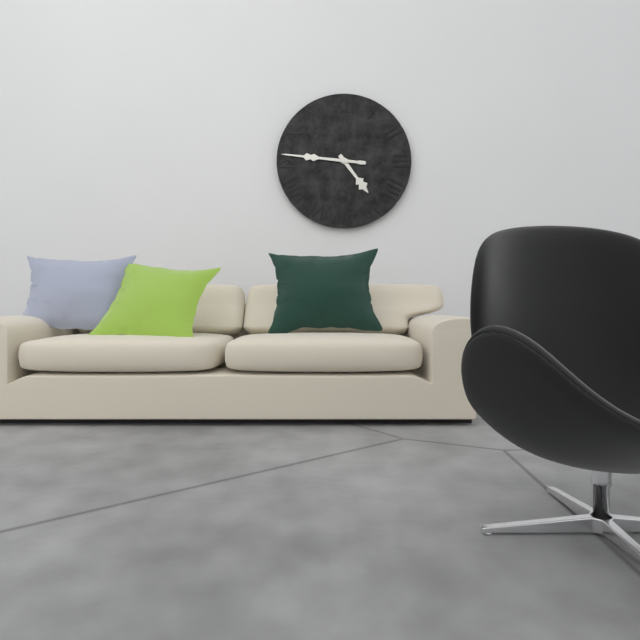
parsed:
**4:46**
